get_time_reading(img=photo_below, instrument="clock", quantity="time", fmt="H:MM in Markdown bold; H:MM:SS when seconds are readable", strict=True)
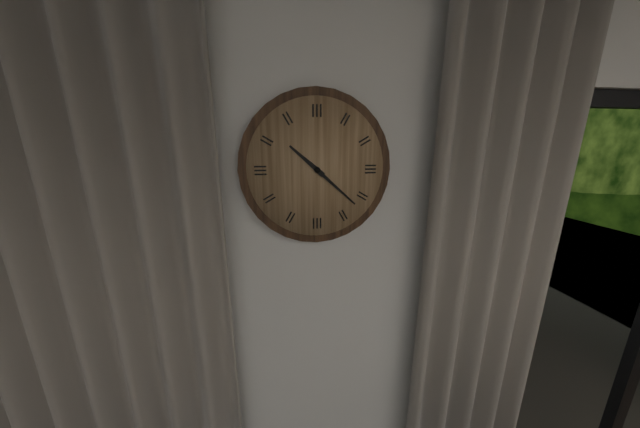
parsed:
**10:22**
